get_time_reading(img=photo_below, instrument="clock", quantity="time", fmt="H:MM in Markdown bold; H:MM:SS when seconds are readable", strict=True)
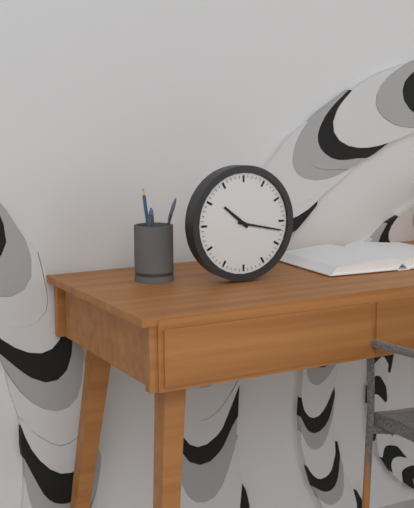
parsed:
**10:17**
